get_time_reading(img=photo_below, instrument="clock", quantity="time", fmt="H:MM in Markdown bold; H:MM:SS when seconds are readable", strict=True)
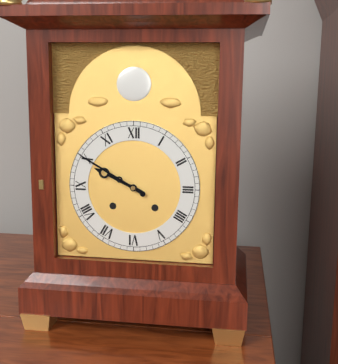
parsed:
**9:50**
